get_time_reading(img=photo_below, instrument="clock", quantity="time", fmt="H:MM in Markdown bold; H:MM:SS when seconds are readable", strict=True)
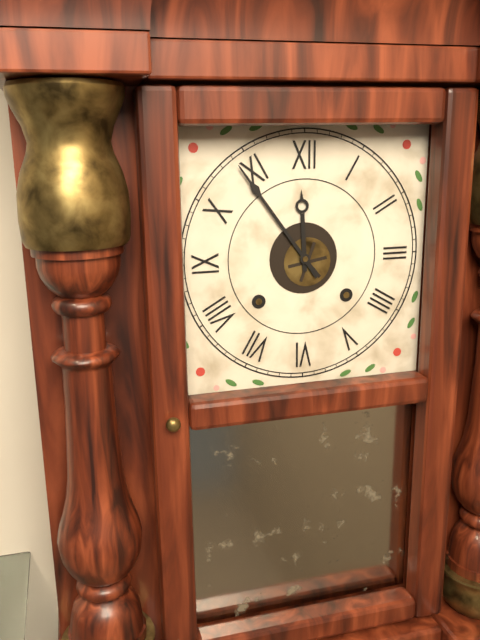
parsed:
**11:54**
